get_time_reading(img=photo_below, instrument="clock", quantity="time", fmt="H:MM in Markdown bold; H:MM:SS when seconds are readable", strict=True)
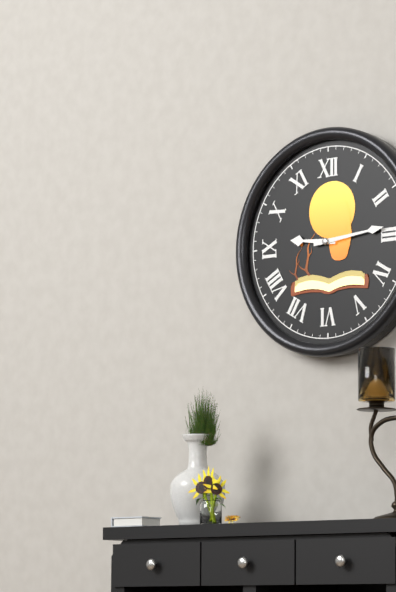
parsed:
**9:14**
